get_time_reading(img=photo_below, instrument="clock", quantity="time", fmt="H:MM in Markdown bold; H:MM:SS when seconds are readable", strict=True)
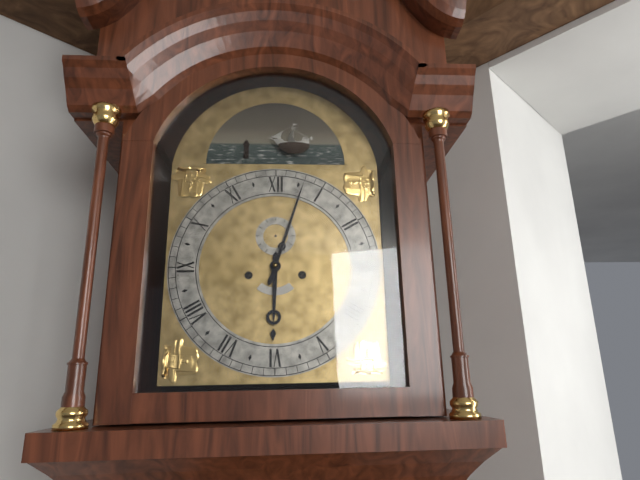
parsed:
**6:03**
